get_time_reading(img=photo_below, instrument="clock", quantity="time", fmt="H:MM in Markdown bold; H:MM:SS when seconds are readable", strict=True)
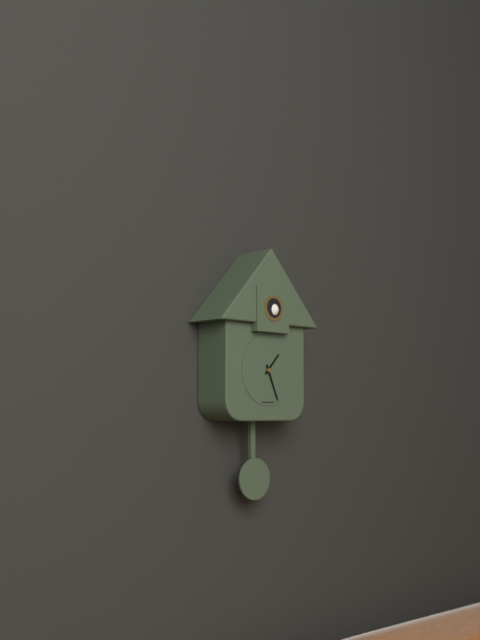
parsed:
**1:26**
